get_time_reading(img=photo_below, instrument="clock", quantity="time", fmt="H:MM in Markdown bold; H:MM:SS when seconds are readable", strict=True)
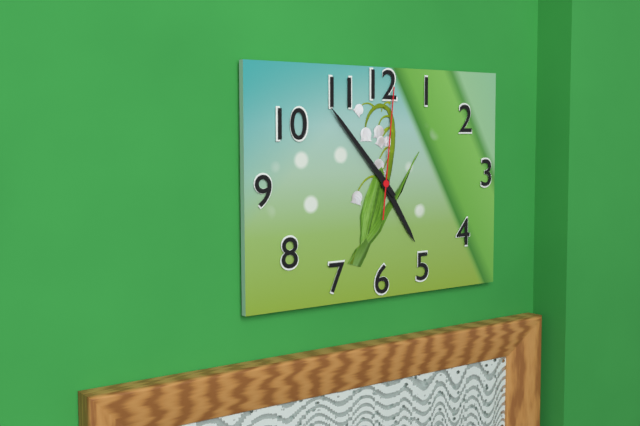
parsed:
**4:53:01**
